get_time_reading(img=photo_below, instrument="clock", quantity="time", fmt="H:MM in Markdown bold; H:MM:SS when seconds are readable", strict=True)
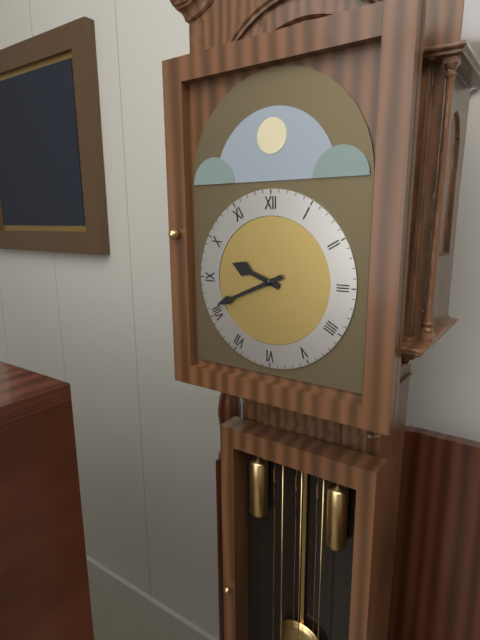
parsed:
**9:41**
